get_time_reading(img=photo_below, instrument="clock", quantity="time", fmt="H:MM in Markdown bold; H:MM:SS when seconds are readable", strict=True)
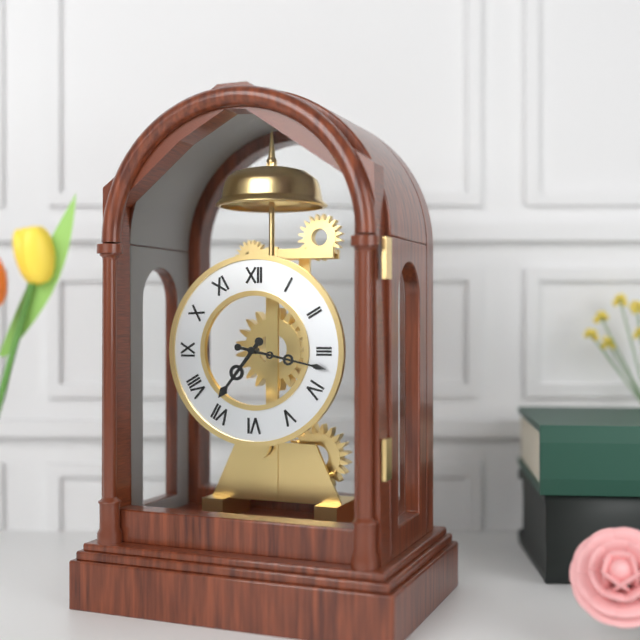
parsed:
**7:17**
